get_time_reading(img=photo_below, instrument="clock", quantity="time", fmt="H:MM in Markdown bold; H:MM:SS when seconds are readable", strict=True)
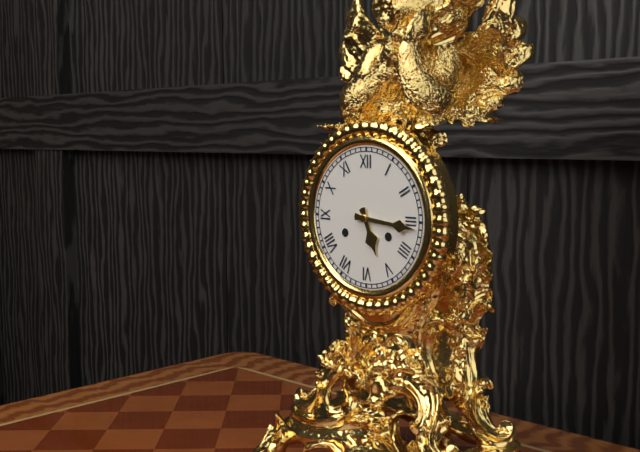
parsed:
**5:16**
